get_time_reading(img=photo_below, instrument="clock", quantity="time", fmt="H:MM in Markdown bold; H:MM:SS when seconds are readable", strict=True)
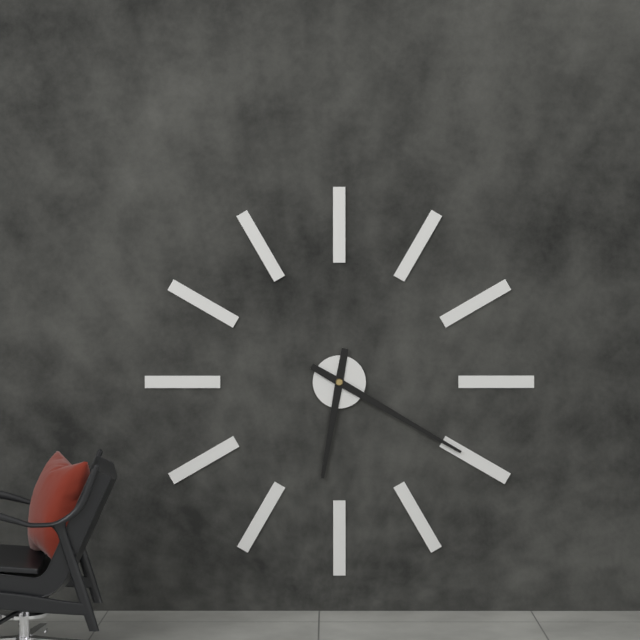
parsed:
**6:20**
